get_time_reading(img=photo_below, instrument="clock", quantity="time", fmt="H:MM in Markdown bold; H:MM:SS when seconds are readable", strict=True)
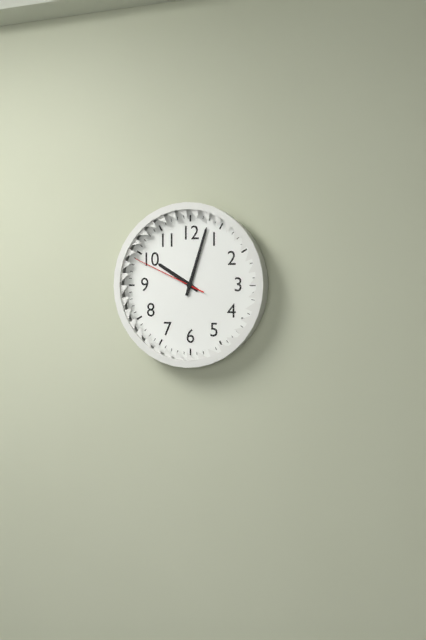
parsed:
**10:03:49**
